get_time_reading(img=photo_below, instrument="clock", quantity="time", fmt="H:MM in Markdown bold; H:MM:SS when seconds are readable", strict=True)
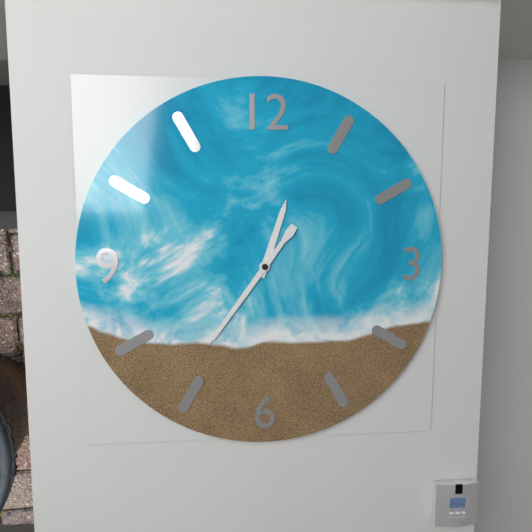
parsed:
**12:36**
